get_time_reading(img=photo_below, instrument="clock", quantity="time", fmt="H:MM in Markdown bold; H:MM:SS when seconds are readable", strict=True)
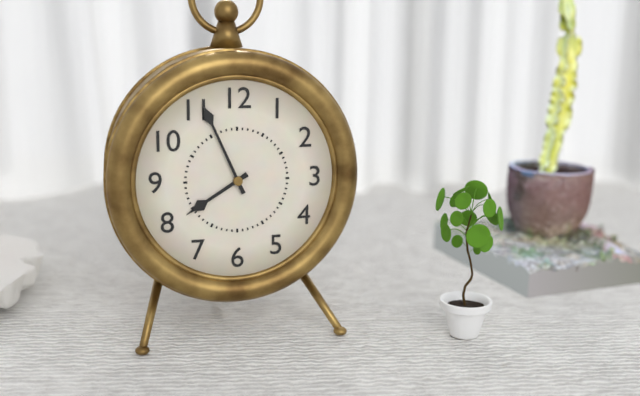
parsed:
**7:56**
